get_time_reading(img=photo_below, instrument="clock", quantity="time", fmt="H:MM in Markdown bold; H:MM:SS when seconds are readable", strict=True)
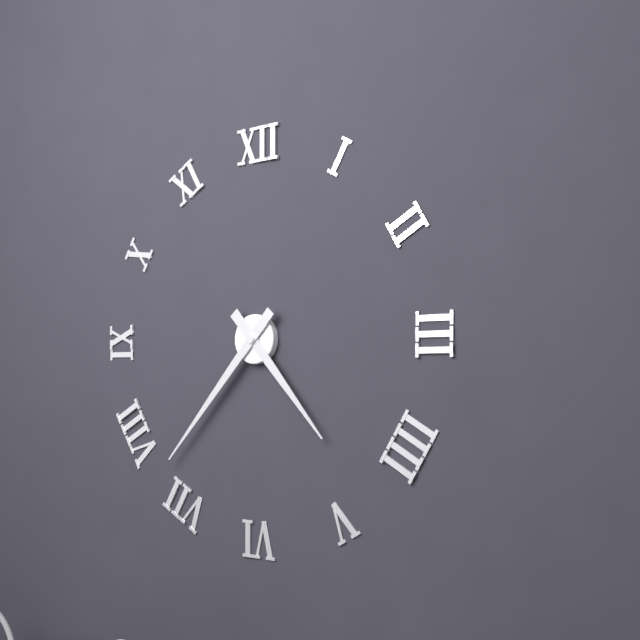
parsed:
**4:37**
